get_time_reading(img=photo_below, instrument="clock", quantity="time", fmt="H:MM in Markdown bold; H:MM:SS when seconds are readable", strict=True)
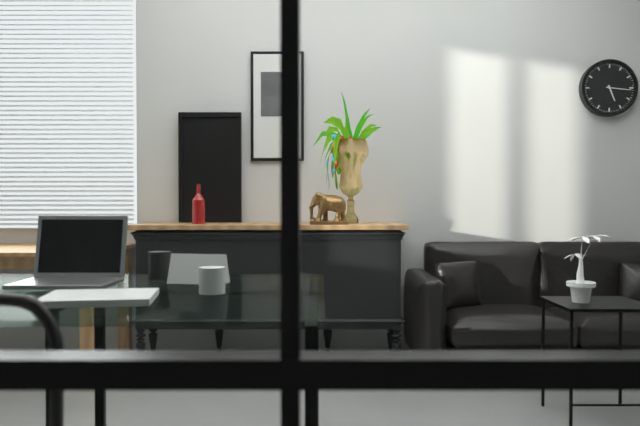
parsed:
**5:16**
